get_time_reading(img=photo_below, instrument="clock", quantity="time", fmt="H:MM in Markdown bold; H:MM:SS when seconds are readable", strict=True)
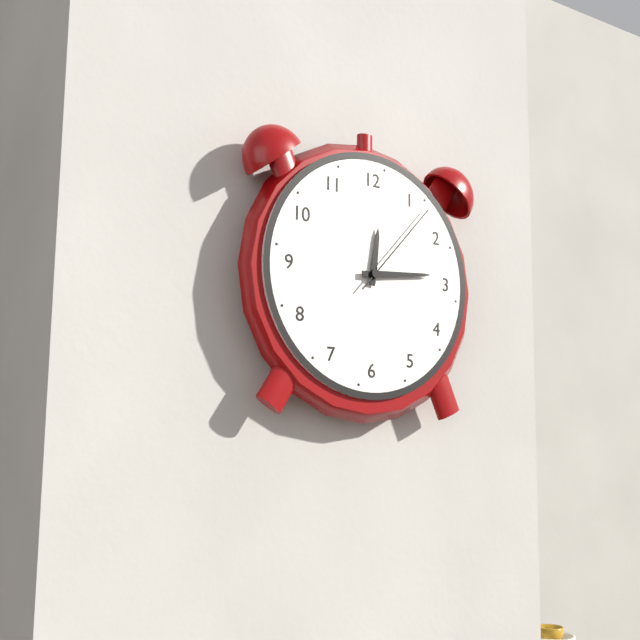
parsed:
**12:14:07**
